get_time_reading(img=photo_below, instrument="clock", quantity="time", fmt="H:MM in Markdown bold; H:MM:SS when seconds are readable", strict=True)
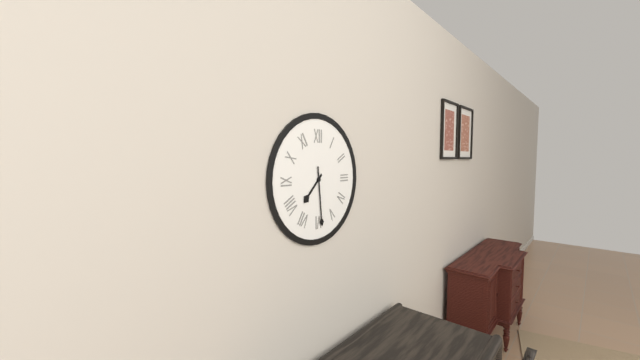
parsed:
**7:29**
